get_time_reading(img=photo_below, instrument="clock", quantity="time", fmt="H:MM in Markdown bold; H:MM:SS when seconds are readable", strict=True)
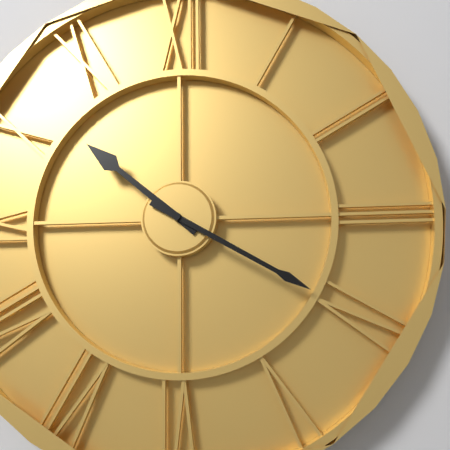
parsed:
**10:20**
